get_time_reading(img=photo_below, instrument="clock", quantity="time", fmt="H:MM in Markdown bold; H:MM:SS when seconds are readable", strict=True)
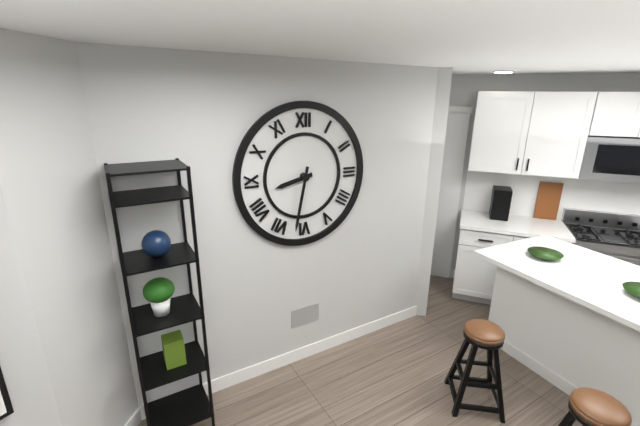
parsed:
**8:32**
